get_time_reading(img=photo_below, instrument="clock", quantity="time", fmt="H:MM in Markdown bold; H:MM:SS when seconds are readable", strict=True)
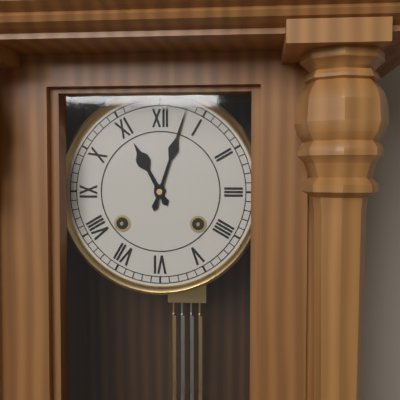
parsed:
**11:03**
